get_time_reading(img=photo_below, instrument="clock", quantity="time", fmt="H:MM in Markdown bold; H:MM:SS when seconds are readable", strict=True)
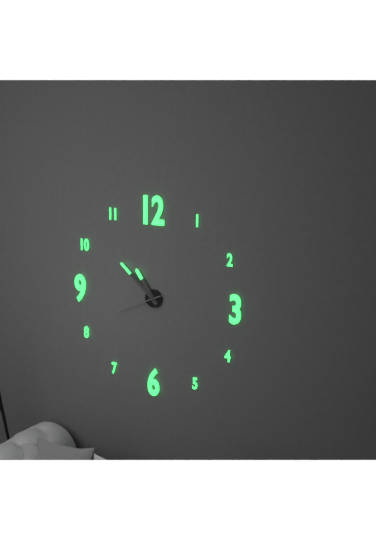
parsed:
**10:52**
